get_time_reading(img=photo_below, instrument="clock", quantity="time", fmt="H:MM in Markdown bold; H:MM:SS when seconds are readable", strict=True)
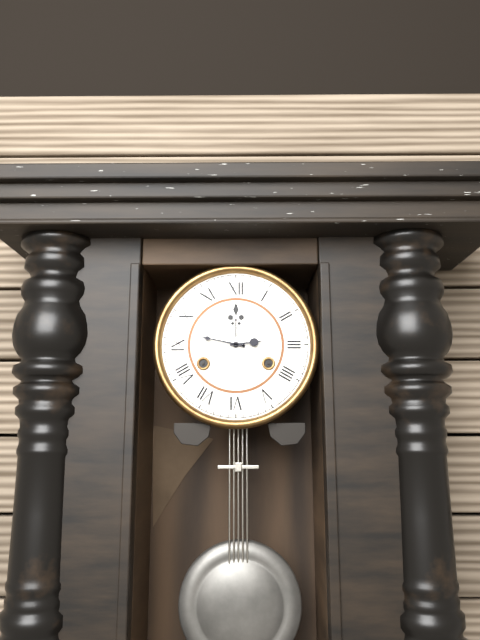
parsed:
**2:47**
